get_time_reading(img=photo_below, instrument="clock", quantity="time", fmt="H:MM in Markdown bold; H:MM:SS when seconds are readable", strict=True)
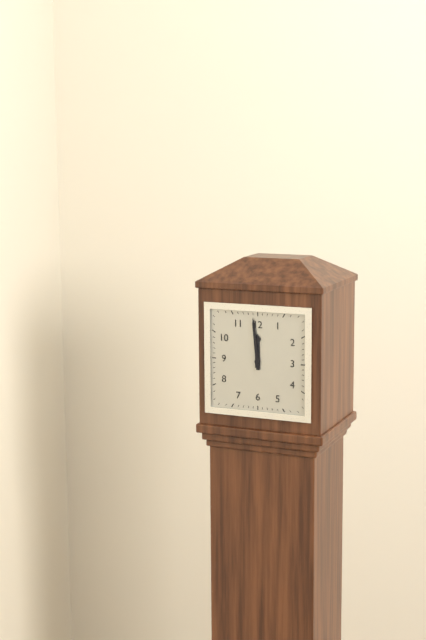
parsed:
**11:59**
